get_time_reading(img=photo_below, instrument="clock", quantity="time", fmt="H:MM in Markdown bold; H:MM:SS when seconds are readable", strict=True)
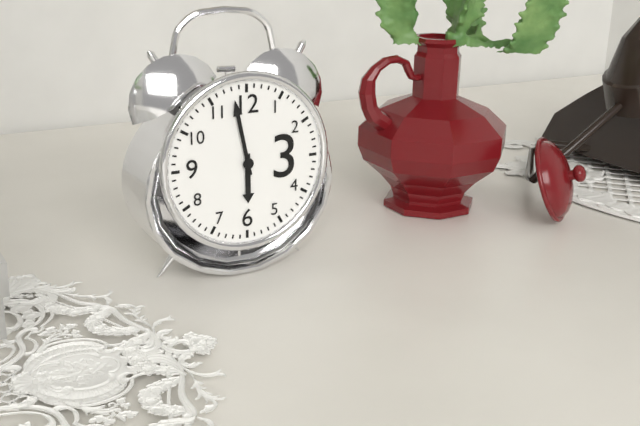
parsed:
**5:58**
